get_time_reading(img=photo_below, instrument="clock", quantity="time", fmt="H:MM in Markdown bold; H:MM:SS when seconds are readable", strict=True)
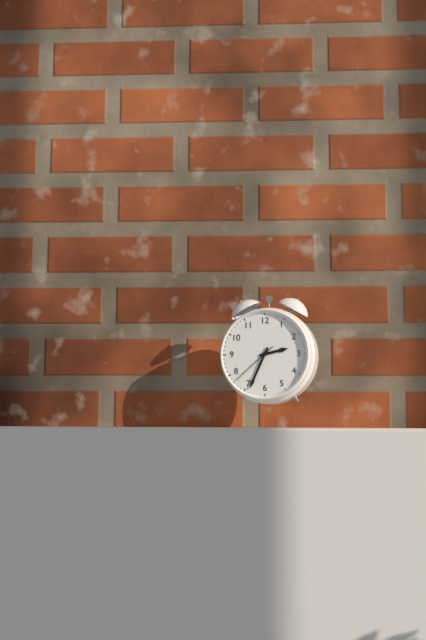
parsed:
**2:34**
